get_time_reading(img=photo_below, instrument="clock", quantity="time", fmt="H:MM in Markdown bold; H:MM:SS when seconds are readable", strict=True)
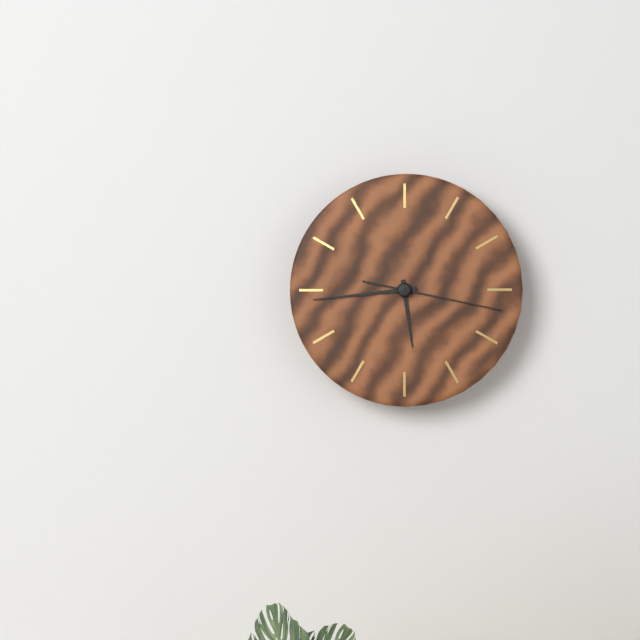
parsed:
**5:44:17**
